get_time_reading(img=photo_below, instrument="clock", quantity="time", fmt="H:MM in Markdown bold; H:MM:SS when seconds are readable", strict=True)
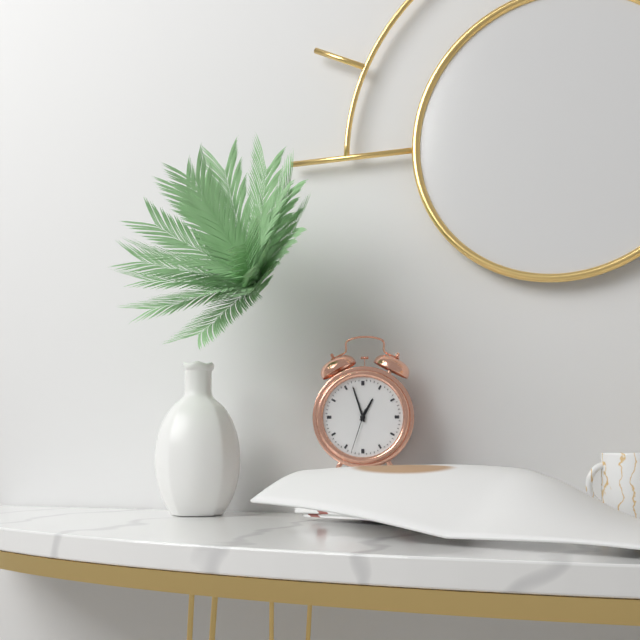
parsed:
**12:57**
